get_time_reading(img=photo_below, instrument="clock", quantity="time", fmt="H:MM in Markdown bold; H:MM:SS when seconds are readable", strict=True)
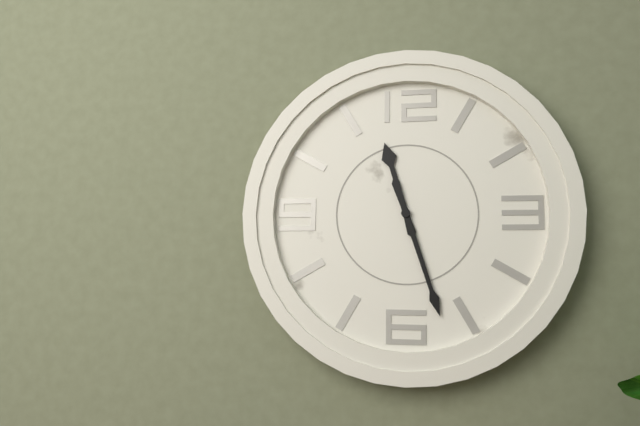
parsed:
**11:27**
